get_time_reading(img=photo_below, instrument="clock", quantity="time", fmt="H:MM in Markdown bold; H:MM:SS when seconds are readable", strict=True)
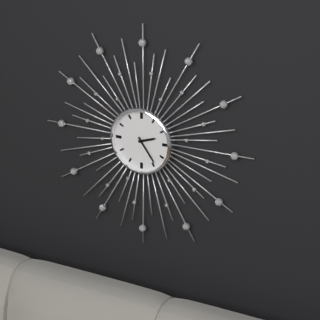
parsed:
**2:24**
